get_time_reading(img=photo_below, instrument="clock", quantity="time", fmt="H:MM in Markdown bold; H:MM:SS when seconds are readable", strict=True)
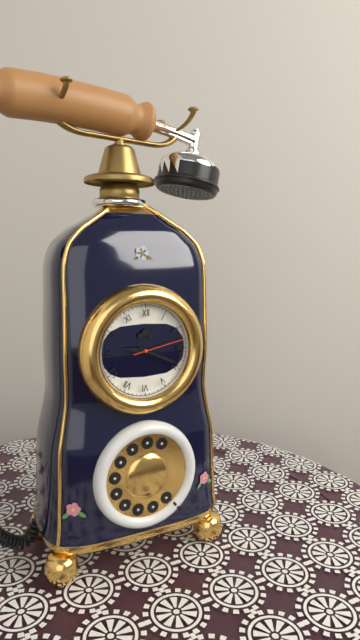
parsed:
**9:19:13**
